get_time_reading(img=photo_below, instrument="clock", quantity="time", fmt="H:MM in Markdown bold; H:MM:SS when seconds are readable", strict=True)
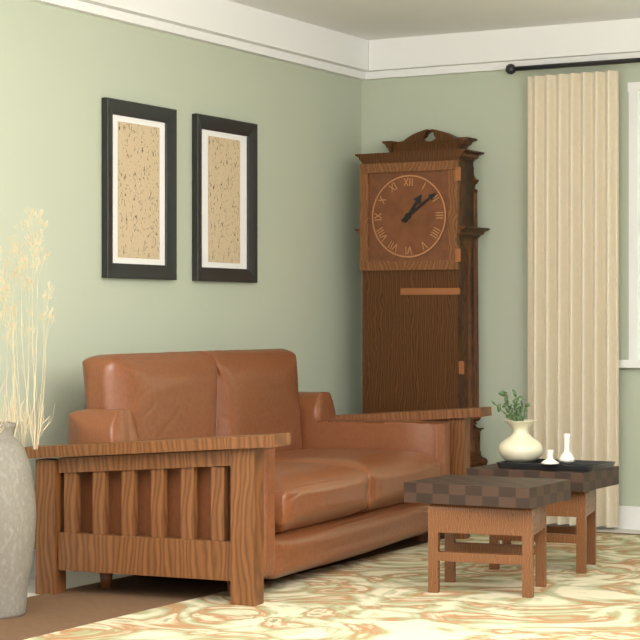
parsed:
**1:09**
